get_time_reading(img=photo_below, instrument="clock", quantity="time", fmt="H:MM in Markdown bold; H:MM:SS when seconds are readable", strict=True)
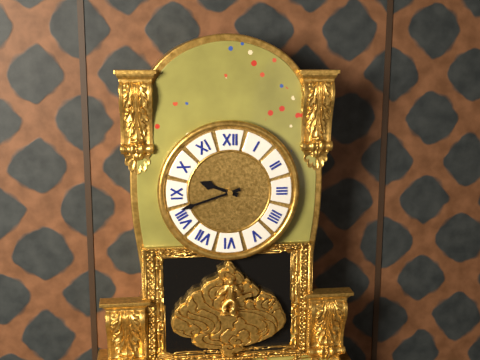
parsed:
**9:42**
